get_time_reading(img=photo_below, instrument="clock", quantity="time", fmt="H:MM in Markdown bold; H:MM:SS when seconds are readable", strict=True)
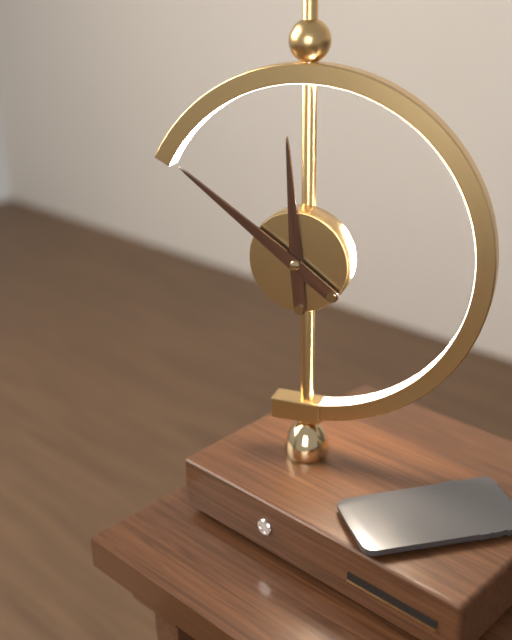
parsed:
**11:51**
